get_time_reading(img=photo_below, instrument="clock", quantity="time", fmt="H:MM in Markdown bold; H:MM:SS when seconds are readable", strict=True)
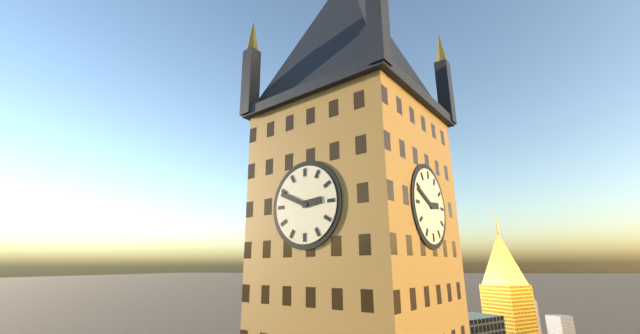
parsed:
**2:49**
